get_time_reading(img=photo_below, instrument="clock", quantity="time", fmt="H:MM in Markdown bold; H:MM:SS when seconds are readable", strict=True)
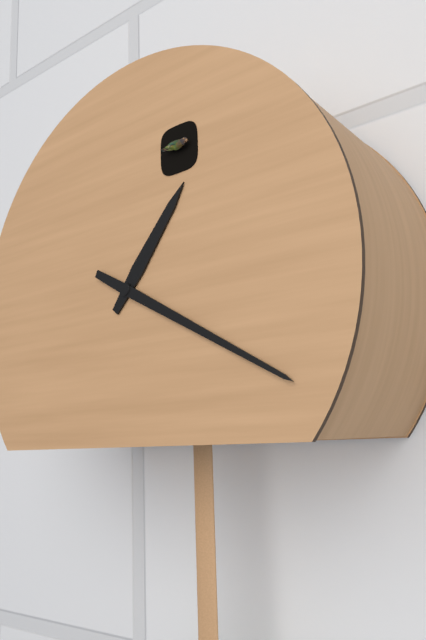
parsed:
**1:20**
